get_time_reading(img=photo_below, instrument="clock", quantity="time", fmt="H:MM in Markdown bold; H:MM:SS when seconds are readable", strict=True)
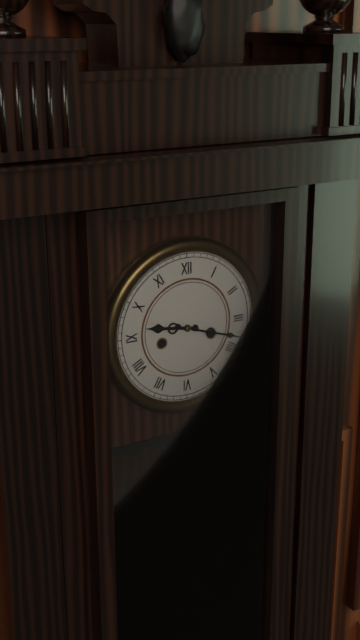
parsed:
**9:18**
